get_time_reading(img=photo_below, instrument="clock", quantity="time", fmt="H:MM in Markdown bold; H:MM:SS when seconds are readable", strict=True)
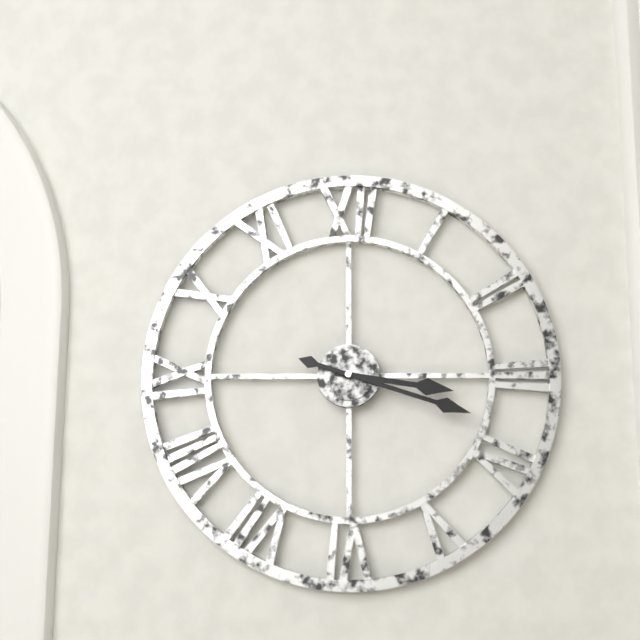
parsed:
**3:18**
